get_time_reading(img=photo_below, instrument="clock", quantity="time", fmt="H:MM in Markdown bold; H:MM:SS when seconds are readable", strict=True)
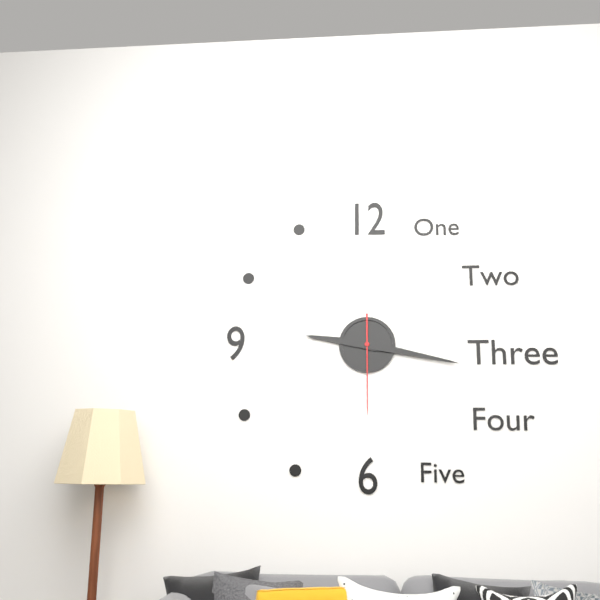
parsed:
**9:17:30**
